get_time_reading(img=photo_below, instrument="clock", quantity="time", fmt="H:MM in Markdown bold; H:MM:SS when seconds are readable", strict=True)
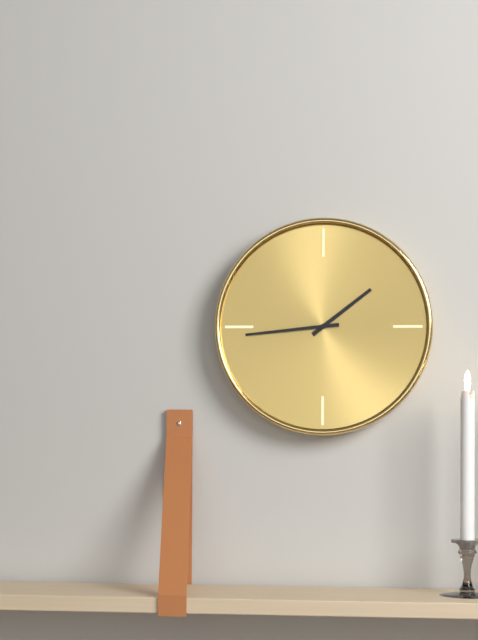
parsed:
**1:44**
